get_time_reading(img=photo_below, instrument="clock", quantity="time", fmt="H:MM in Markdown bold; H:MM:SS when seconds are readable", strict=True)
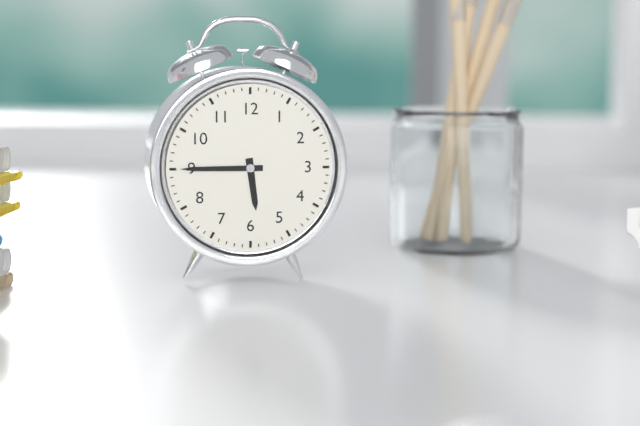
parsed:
**5:45**
